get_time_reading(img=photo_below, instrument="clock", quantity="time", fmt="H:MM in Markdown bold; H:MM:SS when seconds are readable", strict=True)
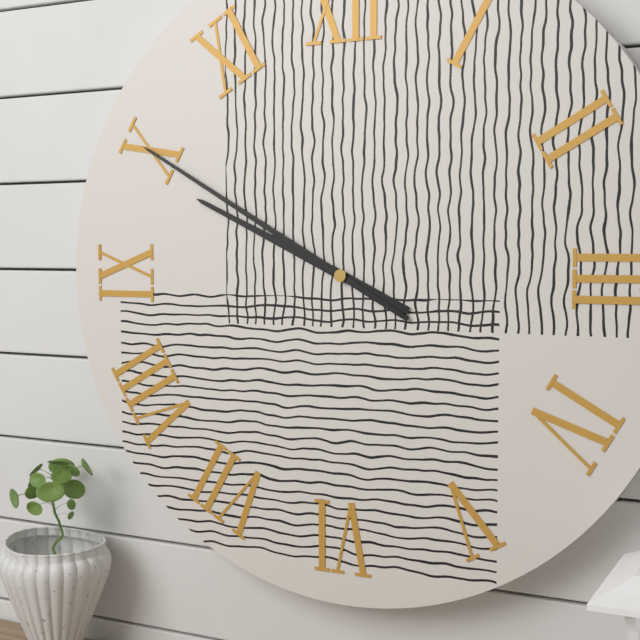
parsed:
**9:50**
